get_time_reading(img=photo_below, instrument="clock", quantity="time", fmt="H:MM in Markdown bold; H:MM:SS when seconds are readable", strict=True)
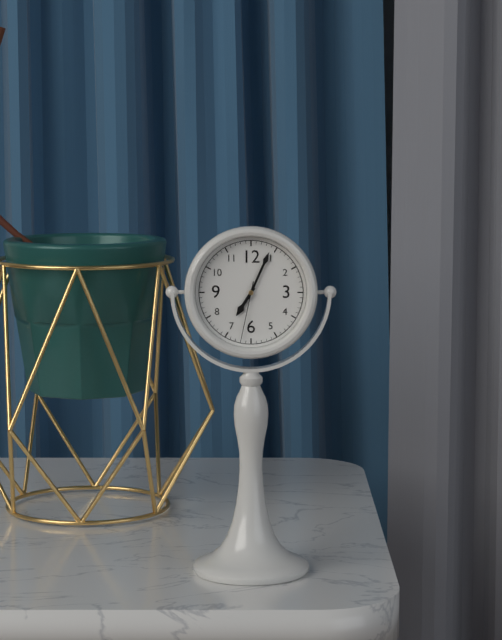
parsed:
**7:04:32**
